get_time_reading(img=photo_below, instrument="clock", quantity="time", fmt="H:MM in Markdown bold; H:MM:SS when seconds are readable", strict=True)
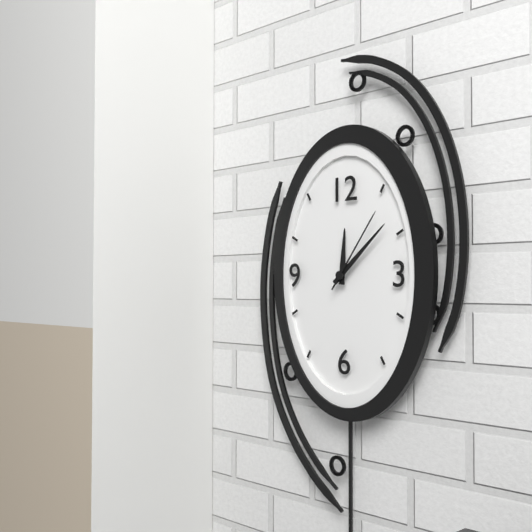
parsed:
**12:08:06**
